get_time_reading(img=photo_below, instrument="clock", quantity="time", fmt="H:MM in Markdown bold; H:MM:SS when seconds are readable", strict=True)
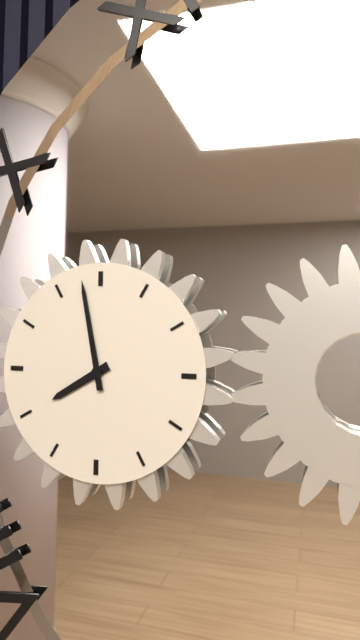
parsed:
**7:58**
